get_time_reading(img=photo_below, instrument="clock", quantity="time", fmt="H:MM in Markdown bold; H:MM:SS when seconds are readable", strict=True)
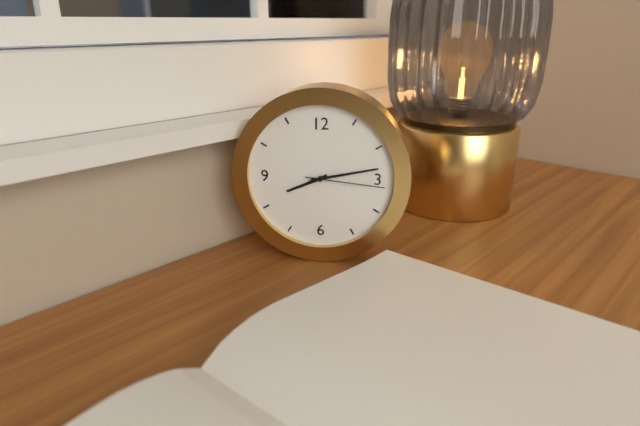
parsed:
**8:13:16**
